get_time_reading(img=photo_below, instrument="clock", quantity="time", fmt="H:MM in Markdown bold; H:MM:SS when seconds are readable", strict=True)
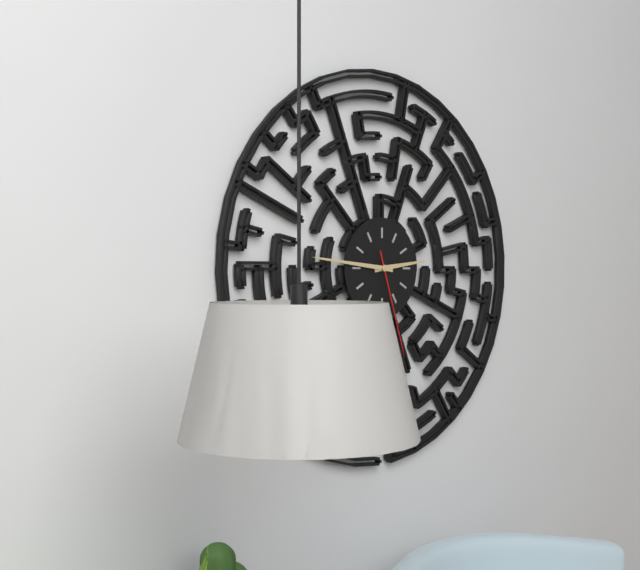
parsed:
**2:46:27**
